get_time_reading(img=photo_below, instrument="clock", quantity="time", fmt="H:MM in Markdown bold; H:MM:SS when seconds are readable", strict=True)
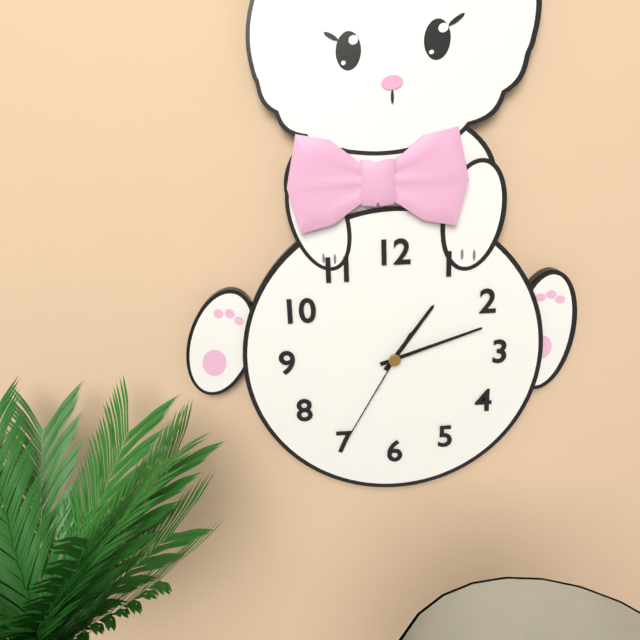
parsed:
**1:12:35**
